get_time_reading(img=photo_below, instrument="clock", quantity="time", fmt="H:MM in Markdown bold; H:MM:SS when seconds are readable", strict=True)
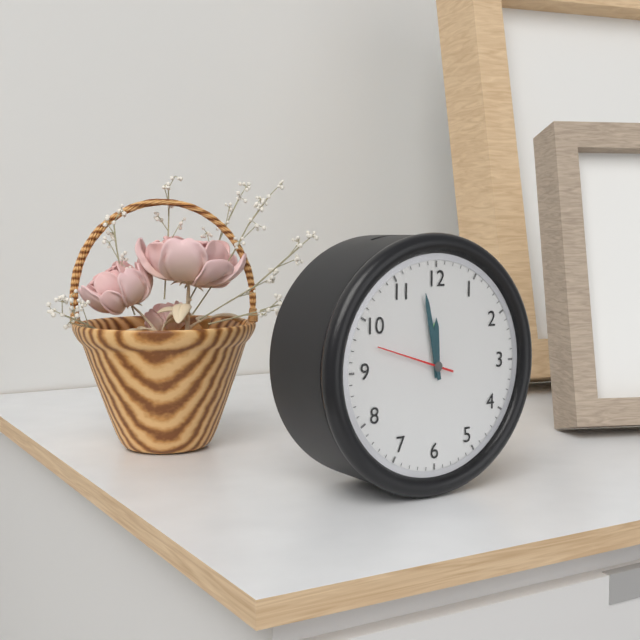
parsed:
**11:58:48**
